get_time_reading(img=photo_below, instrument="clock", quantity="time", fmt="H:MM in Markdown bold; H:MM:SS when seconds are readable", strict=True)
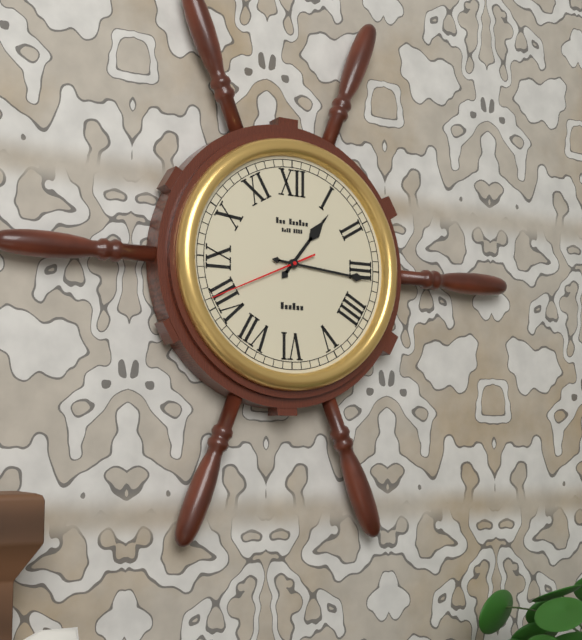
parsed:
**1:16:41**
